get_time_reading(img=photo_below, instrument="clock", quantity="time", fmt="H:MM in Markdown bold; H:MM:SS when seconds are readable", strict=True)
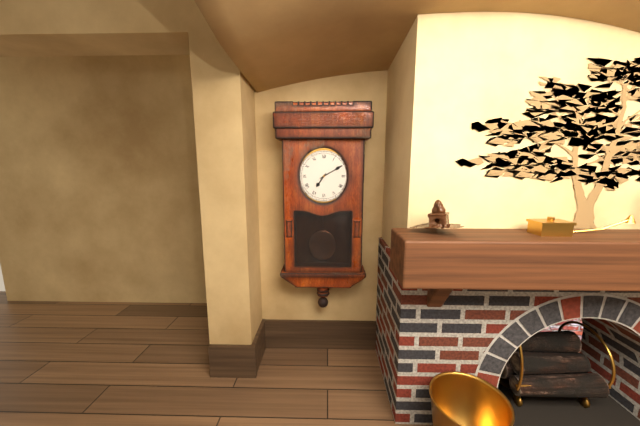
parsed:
**7:10**
